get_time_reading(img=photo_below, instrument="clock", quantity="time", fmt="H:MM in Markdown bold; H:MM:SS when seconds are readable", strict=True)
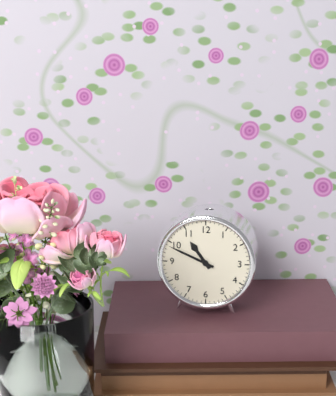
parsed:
**10:49**
